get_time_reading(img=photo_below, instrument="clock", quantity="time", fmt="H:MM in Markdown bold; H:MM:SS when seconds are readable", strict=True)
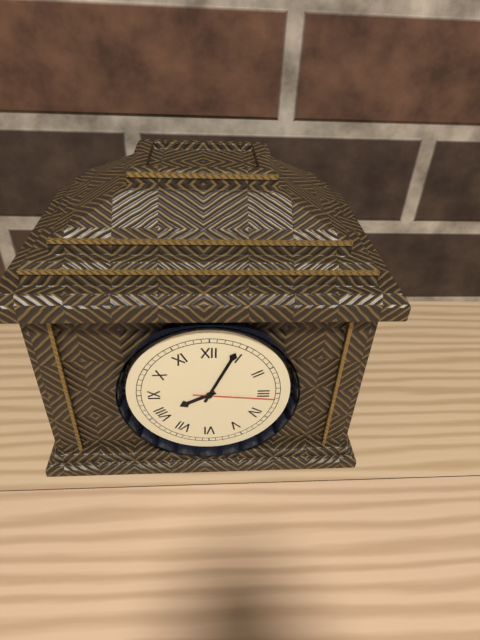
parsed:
**8:04:16**
